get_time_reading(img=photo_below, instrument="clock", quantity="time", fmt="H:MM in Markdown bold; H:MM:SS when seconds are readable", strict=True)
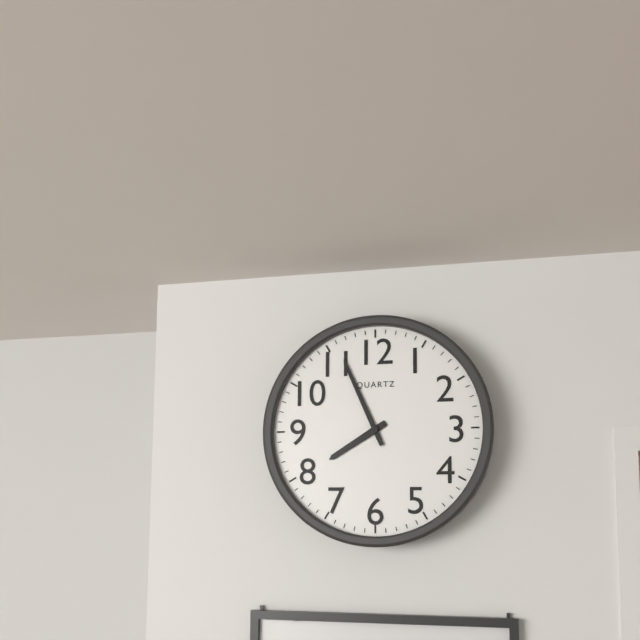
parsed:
**7:56**
